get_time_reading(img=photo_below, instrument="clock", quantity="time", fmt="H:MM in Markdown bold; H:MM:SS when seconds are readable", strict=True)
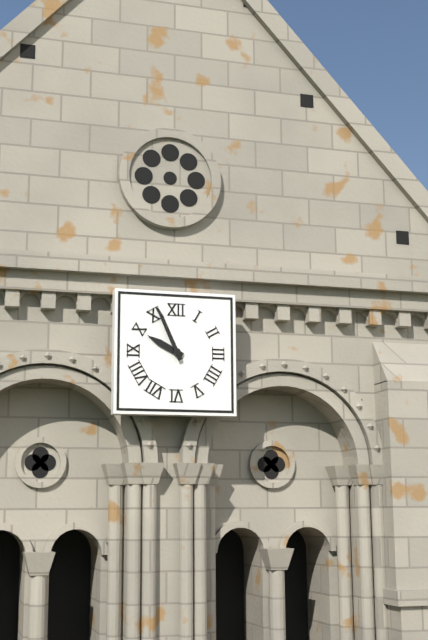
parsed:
**9:56**
